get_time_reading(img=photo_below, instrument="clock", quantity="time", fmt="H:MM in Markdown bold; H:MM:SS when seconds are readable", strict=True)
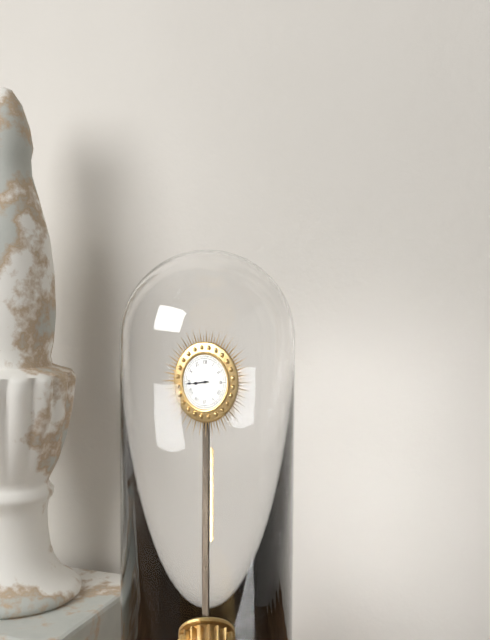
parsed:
**8:44**
